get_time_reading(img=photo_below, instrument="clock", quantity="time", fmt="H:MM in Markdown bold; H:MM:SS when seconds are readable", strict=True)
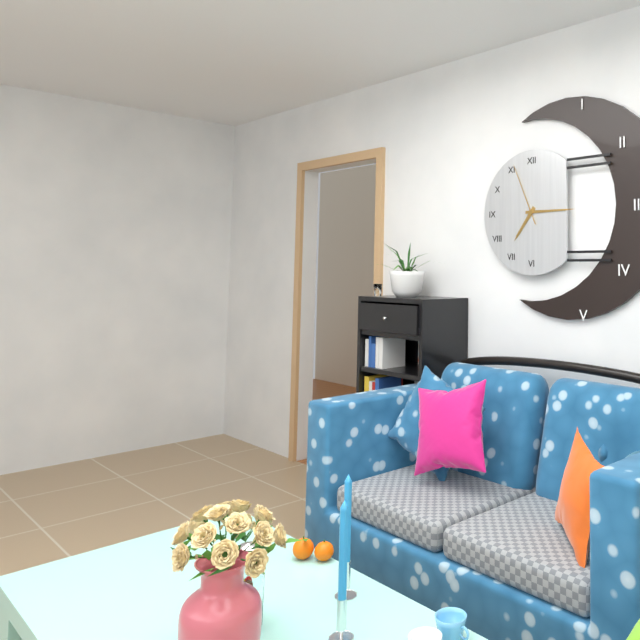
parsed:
**7:15:56**
